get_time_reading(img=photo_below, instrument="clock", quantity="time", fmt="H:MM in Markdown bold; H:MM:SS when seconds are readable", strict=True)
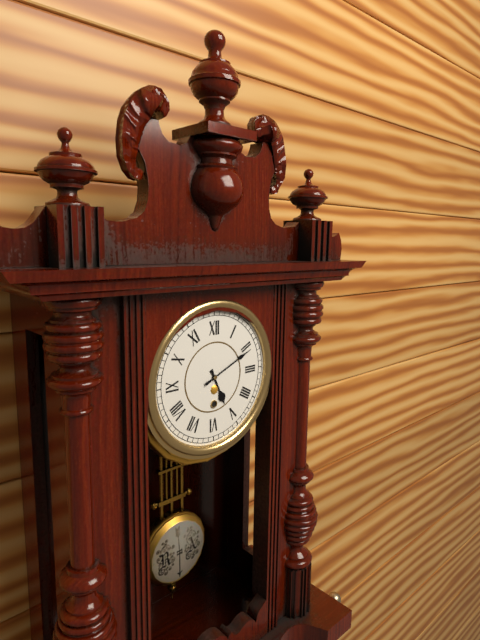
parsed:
**5:11**
